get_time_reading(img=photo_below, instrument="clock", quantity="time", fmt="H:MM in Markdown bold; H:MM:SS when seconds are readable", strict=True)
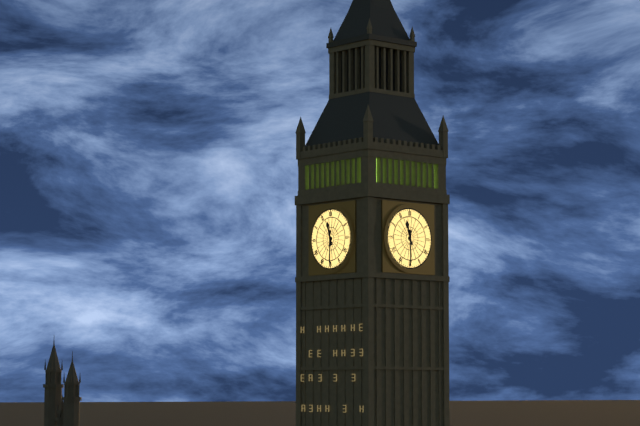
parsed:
**11:30**
